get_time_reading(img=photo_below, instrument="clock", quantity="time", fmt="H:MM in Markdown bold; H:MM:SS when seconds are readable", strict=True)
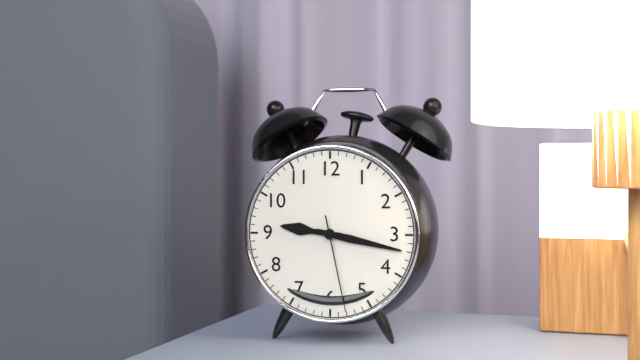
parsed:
**9:17:28**
